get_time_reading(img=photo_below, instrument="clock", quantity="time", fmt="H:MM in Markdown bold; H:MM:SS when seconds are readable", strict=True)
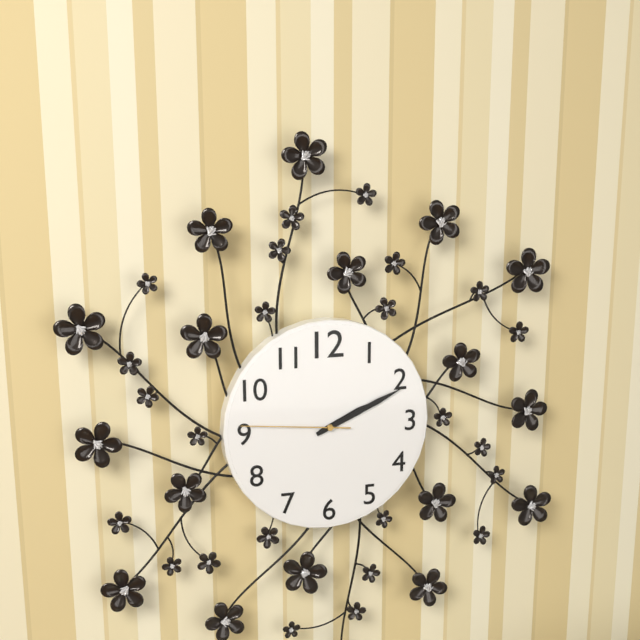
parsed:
**2:11:46**
